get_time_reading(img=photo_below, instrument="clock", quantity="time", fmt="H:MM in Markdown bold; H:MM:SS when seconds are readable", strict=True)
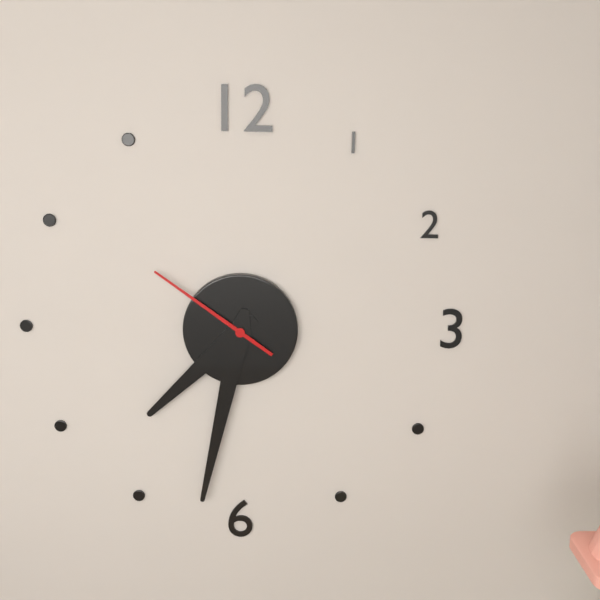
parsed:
**7:32:51**
